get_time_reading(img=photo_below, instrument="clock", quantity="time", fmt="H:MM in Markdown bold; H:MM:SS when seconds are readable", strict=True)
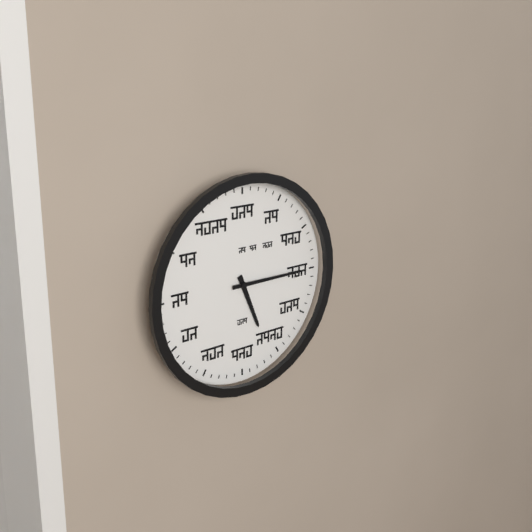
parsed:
**5:15**
